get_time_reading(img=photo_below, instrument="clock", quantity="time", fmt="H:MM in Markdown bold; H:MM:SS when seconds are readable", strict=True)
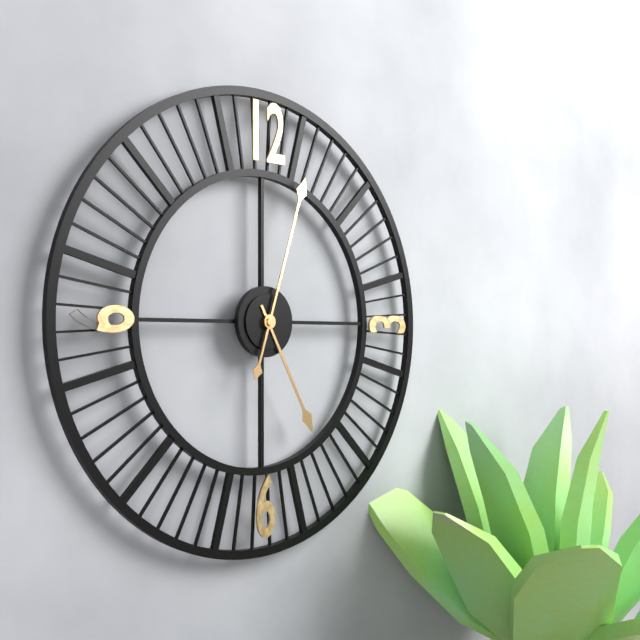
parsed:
**5:03**
